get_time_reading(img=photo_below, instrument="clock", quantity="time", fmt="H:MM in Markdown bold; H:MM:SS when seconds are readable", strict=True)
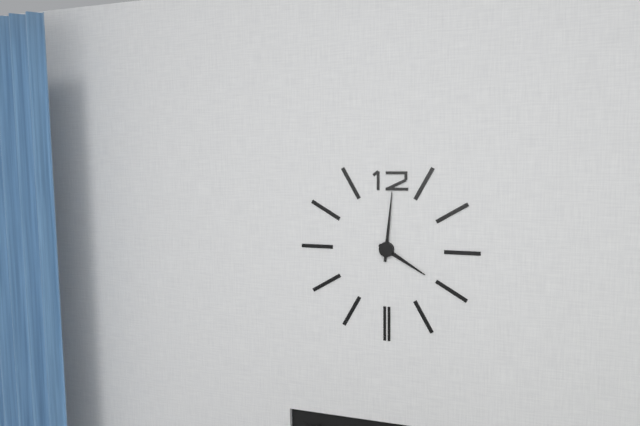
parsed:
**4:01**
